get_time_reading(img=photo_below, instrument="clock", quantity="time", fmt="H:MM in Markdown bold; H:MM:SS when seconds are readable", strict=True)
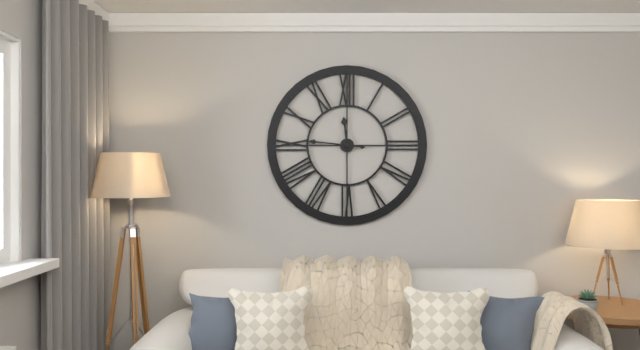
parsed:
**11:46**
